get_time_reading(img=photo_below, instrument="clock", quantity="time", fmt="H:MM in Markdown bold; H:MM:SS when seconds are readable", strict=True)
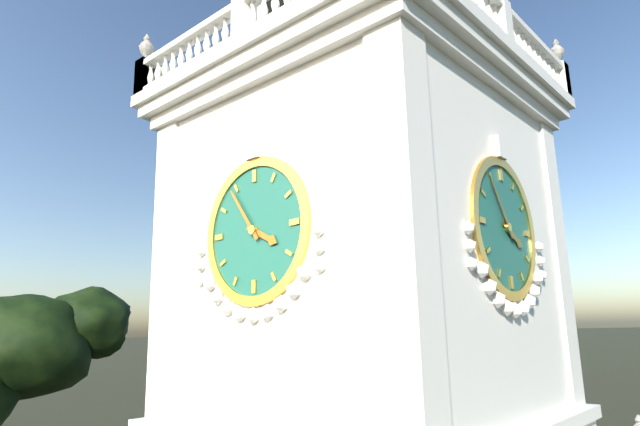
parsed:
**3:54**
